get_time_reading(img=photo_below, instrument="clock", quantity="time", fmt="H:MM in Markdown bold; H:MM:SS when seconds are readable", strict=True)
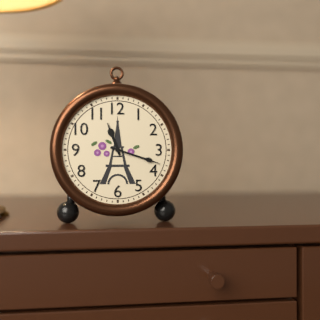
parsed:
**11:18**
